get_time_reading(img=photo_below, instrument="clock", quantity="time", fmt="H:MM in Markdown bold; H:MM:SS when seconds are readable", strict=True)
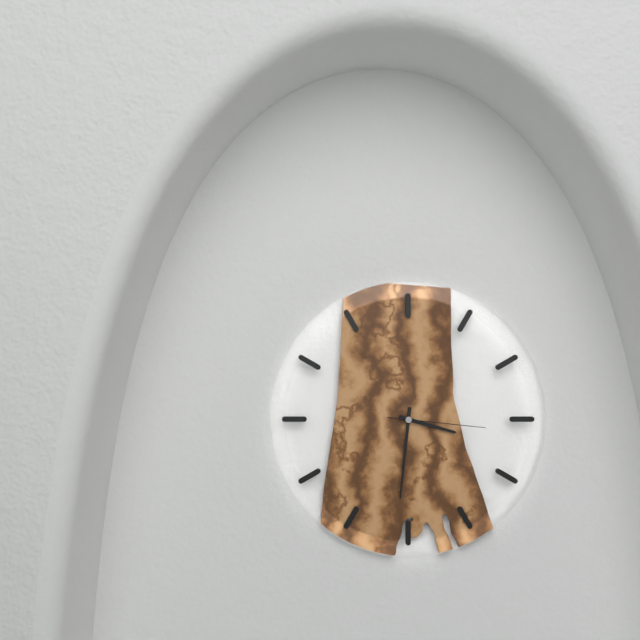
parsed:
**3:31:16**
